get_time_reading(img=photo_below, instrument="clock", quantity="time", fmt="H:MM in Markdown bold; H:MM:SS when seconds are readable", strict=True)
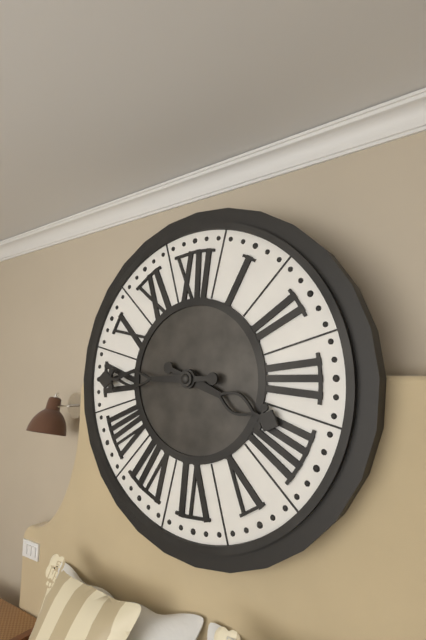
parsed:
**3:45**
